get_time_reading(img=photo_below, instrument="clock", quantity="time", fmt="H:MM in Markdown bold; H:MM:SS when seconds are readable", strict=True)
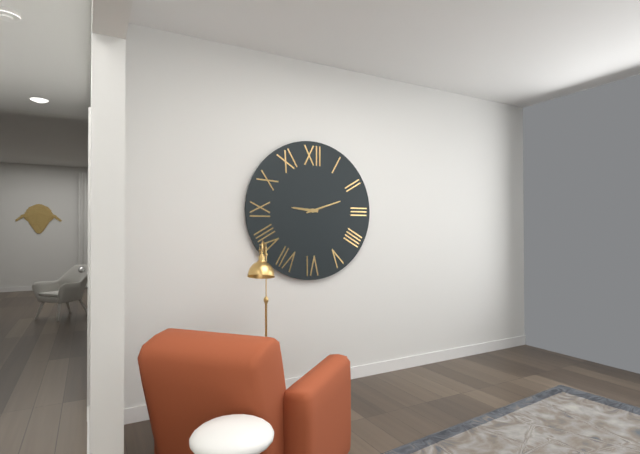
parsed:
**9:12**
